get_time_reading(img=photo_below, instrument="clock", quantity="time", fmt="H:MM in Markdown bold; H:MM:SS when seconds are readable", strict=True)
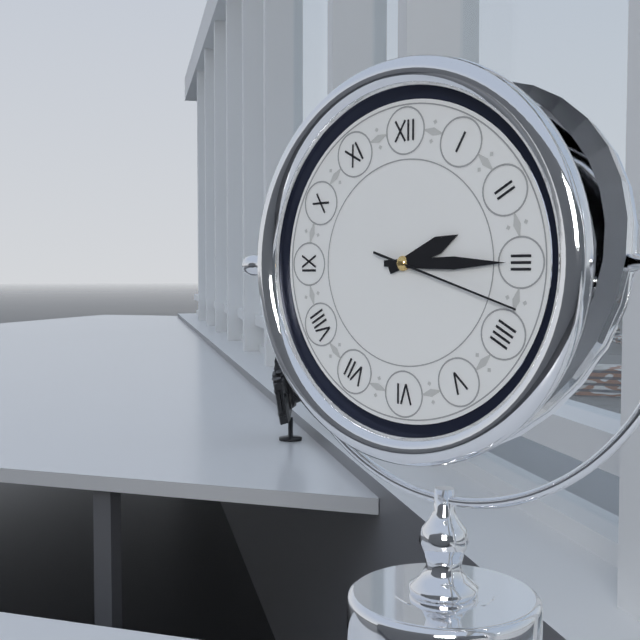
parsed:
**2:15:18**
